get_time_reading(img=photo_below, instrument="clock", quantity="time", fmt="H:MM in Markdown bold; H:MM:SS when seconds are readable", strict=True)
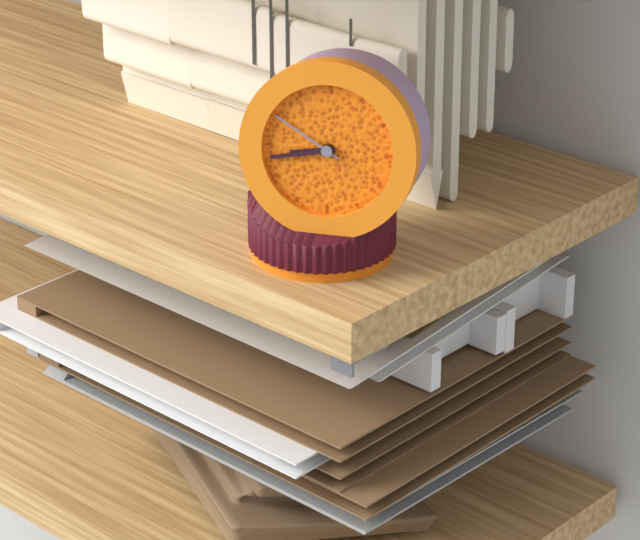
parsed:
**8:43:50**
